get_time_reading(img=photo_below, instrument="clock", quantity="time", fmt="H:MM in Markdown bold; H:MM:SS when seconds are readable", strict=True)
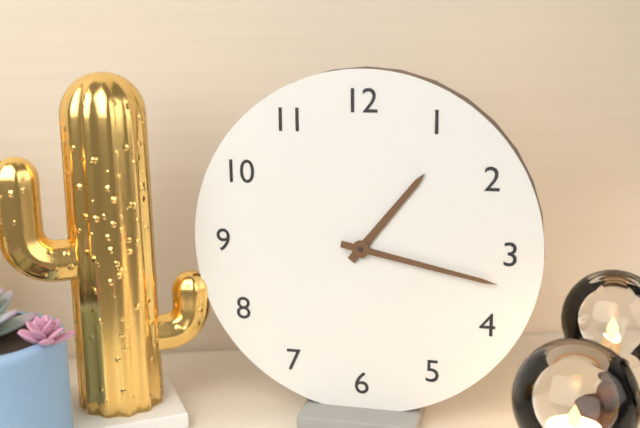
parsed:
**1:17**
